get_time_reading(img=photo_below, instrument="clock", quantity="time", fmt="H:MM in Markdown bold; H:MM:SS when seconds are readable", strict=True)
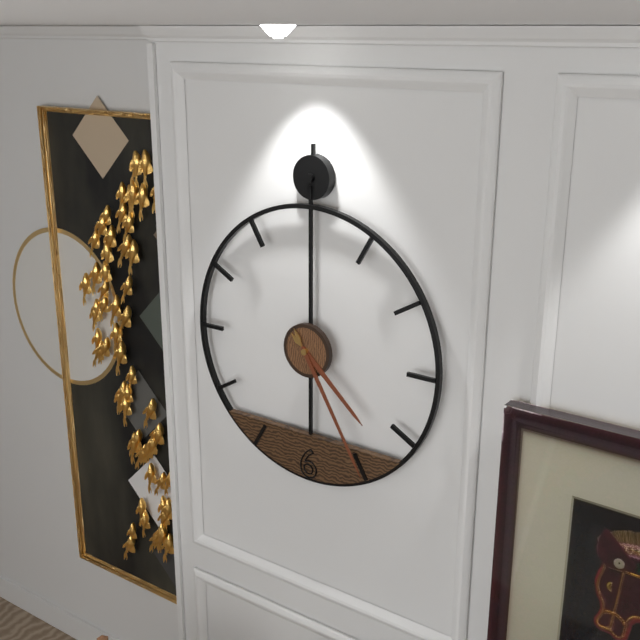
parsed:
**4:25**
